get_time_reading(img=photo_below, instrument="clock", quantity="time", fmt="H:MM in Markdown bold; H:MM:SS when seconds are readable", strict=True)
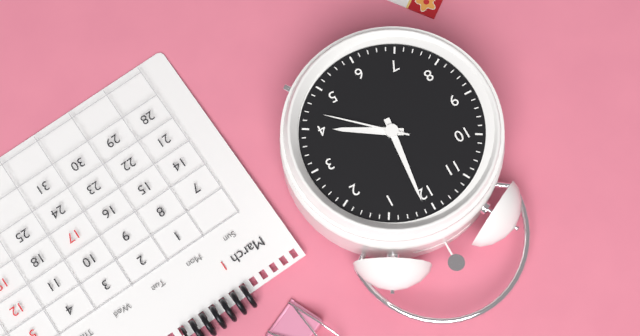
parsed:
**4:01:22**
